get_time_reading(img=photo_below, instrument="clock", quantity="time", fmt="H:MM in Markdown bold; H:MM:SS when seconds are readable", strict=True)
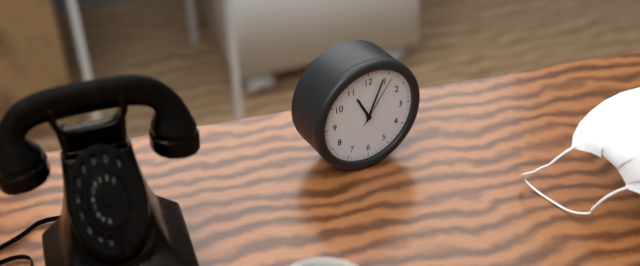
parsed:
**11:04:06**
